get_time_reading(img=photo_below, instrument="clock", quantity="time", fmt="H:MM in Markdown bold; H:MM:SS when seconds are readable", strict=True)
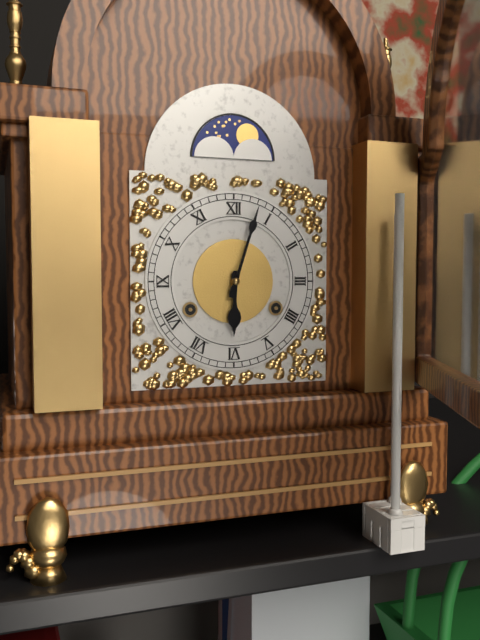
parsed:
**6:03**
